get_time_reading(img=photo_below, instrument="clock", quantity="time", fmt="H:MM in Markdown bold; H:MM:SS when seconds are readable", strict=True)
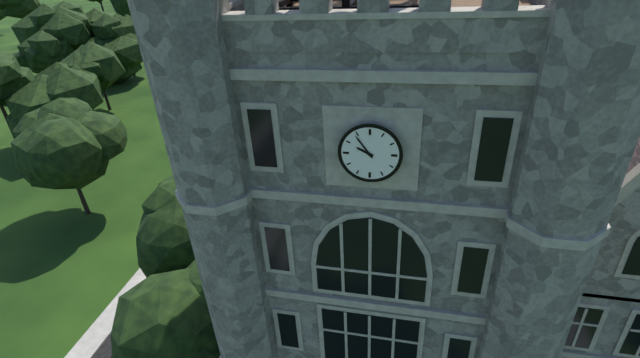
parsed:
**9:54**
